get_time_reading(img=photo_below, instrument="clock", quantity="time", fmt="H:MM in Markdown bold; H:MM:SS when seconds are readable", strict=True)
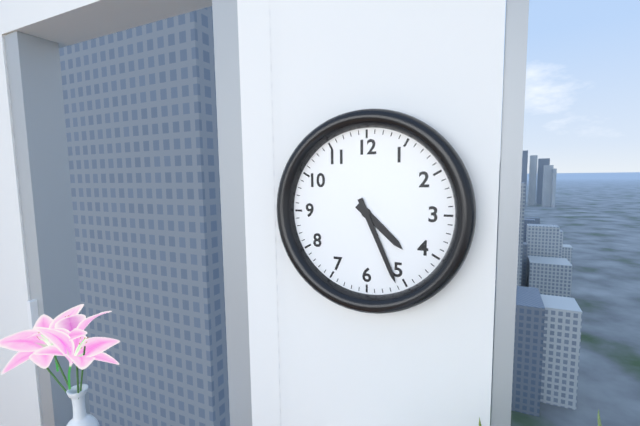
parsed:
**4:26**
